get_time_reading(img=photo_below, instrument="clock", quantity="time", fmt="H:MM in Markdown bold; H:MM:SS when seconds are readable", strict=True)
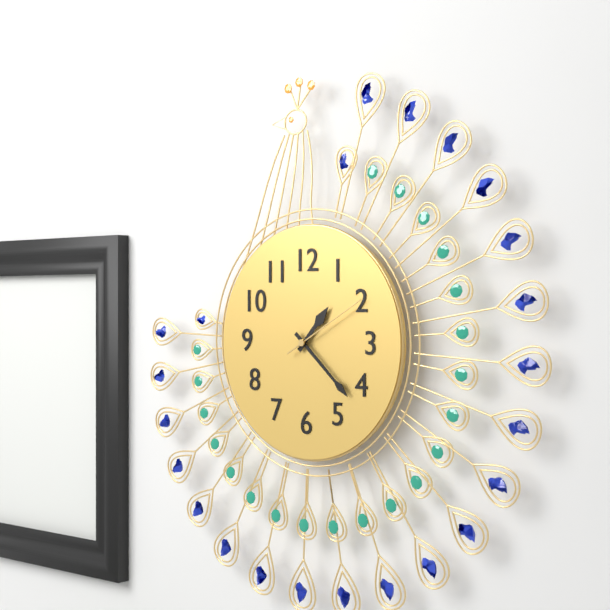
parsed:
**1:22:10**
